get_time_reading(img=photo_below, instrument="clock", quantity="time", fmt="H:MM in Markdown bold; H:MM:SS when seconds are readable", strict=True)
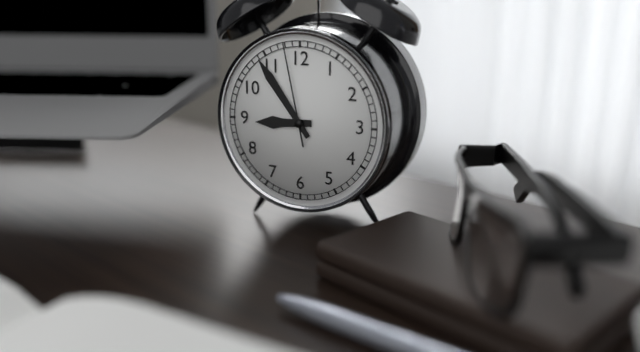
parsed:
**8:54:58**
